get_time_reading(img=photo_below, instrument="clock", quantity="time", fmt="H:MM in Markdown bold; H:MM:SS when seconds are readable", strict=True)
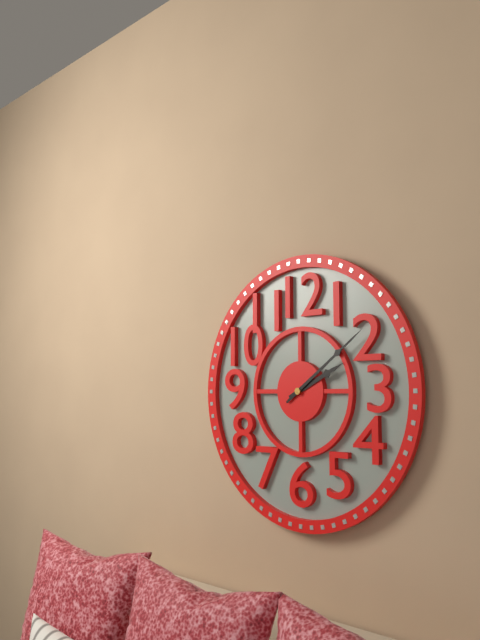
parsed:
**2:09**
